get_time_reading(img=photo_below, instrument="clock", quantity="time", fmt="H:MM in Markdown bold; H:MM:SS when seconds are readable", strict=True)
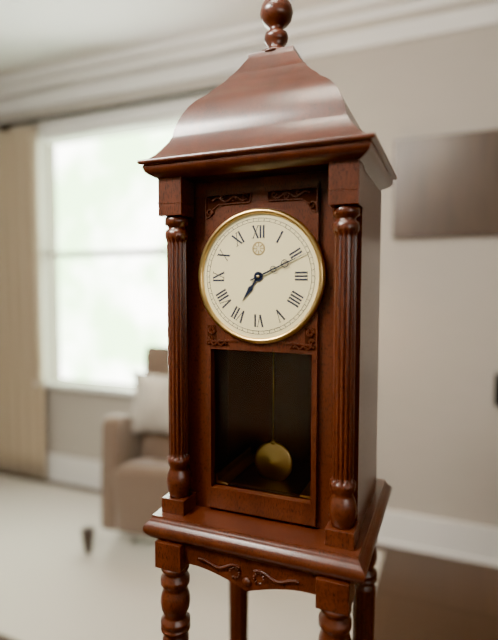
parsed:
**7:11**
